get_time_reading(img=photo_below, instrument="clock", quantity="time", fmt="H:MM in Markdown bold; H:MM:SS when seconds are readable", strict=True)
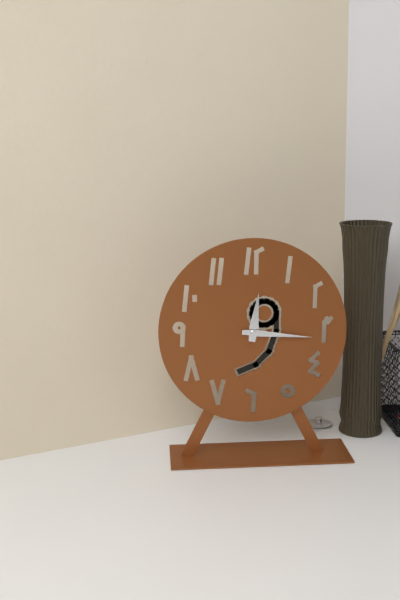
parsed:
**12:16**
